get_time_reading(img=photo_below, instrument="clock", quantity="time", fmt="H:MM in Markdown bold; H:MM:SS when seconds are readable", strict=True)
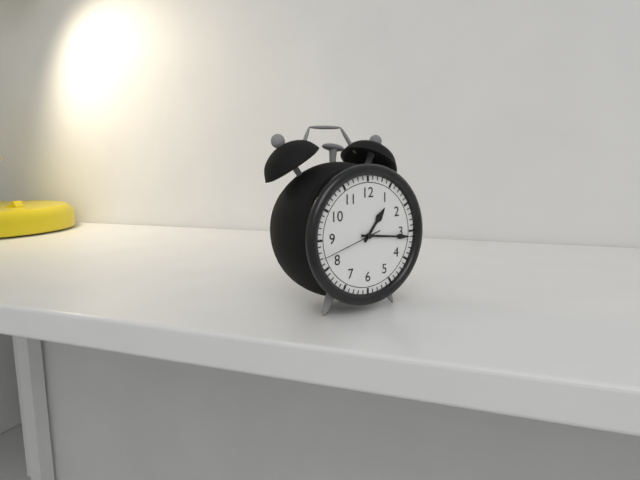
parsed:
**1:16:42**
